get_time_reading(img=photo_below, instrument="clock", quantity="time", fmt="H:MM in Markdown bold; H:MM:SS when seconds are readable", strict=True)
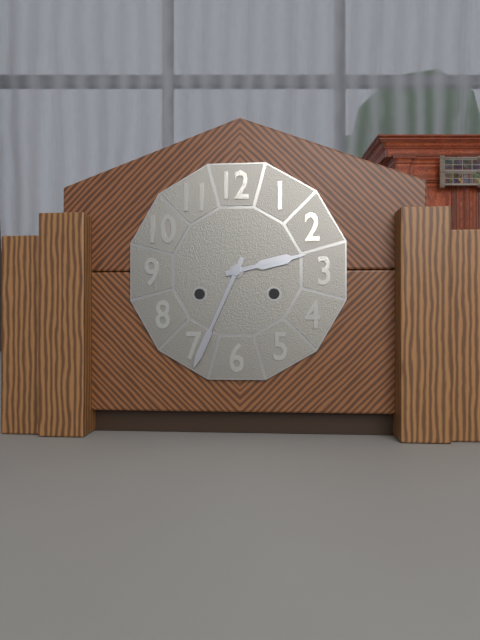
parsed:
**2:34**
